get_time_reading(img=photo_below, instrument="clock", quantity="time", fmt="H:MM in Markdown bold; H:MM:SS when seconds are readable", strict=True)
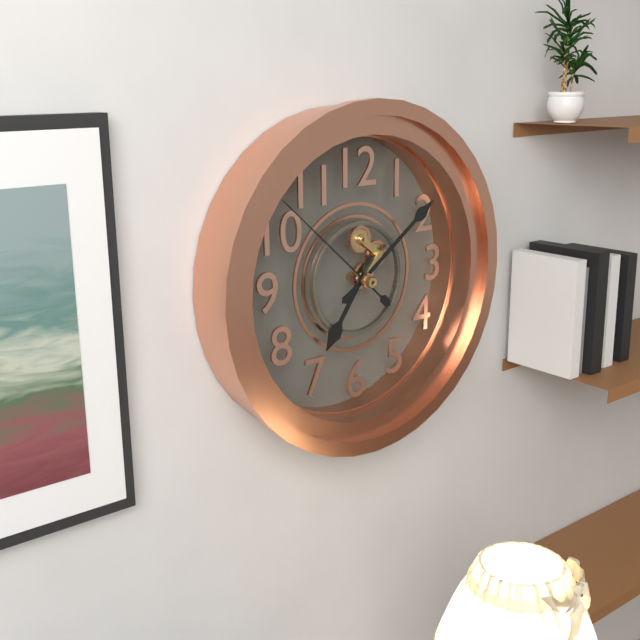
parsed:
**7:09:52**
